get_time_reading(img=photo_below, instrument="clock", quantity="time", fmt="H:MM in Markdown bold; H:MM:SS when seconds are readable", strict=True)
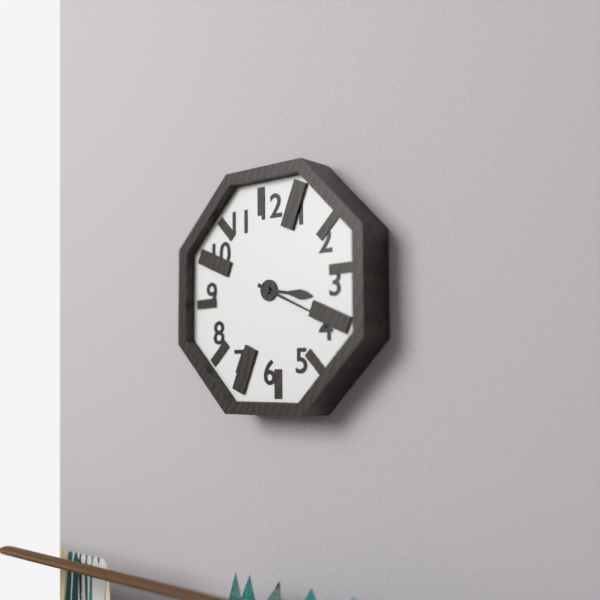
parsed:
**3:19**
